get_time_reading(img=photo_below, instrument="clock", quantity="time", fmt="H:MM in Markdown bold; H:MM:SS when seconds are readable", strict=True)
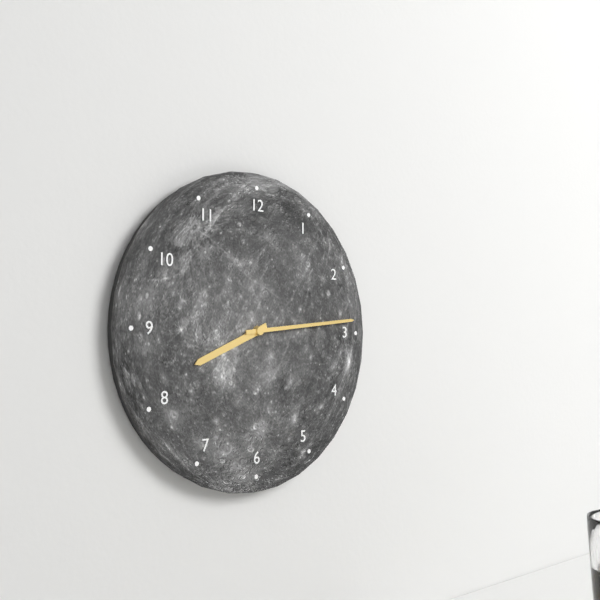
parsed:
**8:14**
